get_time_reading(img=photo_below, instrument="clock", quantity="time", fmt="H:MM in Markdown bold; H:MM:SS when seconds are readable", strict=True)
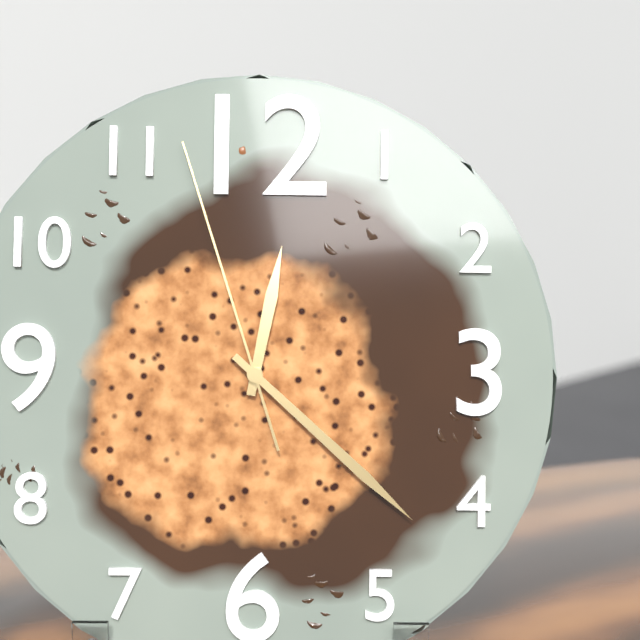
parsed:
**12:22:57**
